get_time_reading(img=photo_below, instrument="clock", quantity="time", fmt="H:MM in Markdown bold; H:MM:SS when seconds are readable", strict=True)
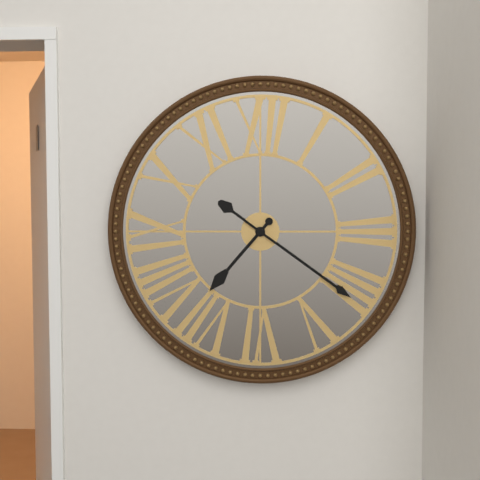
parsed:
**7:21**
